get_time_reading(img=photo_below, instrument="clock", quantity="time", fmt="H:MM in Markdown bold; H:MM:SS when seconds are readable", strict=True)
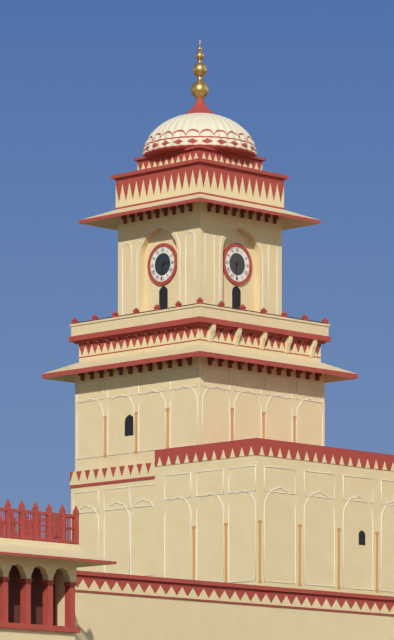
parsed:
**2:31**
